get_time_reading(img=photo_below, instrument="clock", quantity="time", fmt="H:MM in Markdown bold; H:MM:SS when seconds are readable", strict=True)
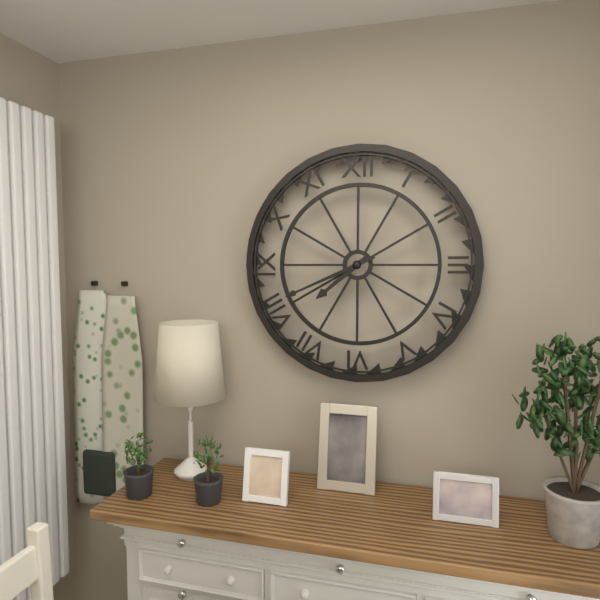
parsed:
**7:41**
